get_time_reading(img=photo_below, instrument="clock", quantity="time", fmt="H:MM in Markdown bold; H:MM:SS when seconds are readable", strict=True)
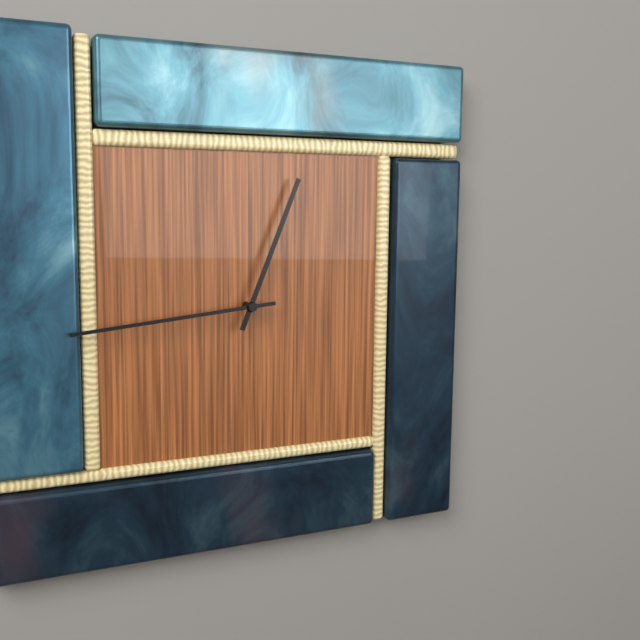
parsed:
**12:44**
